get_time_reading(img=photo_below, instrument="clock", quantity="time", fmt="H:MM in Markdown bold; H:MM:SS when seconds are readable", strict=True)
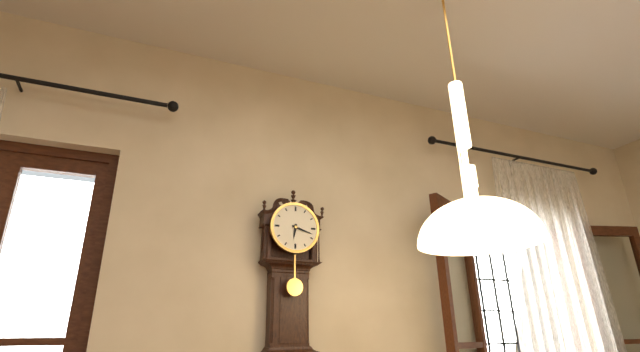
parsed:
**6:18**
